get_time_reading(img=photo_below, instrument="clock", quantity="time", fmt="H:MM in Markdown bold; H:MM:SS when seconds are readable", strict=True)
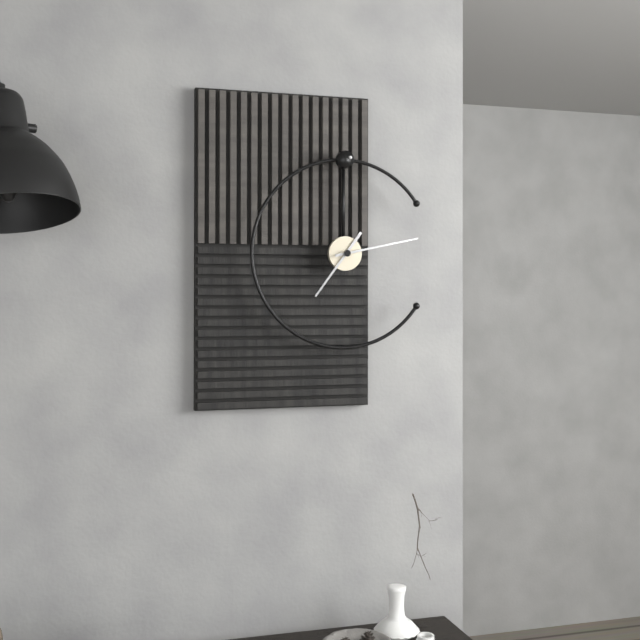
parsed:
**7:13**
